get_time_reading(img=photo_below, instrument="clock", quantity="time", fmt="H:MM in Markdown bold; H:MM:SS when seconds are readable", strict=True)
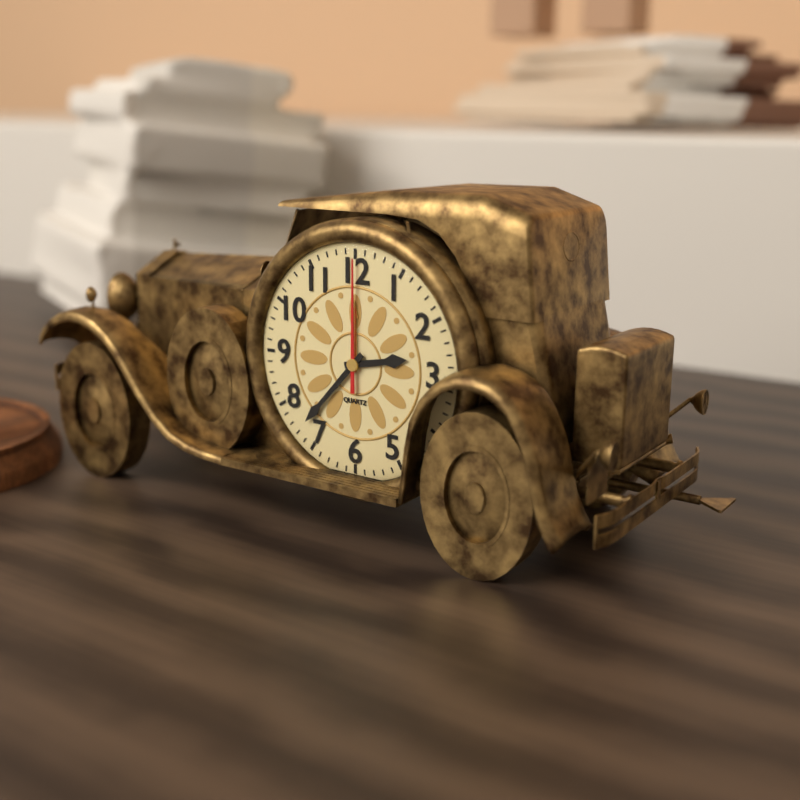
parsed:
**2:37:00**
